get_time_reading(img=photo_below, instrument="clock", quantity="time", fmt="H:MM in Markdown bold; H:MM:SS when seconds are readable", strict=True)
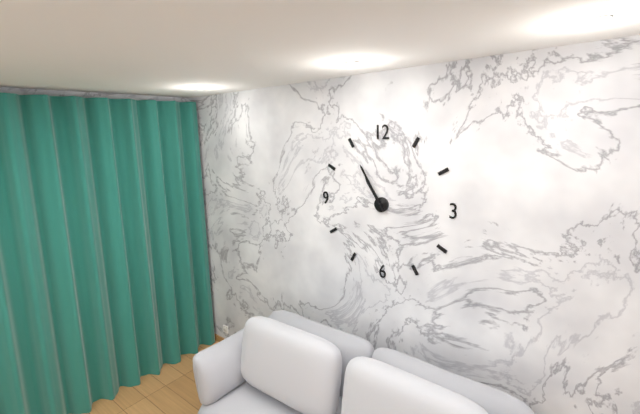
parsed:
**10:55**
